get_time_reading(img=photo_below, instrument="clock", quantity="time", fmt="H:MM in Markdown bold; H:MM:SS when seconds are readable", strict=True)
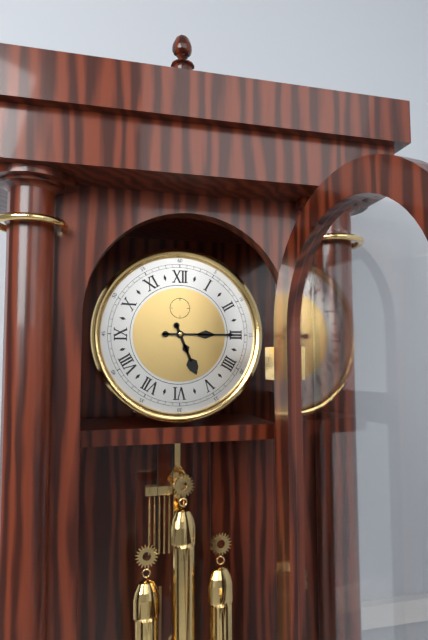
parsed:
**5:15**
